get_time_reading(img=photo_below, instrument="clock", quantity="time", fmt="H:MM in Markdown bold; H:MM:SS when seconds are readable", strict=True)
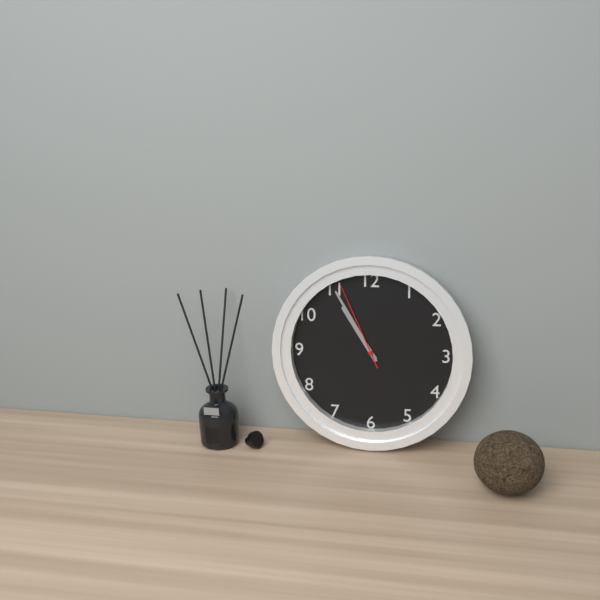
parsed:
**10:55:56**
